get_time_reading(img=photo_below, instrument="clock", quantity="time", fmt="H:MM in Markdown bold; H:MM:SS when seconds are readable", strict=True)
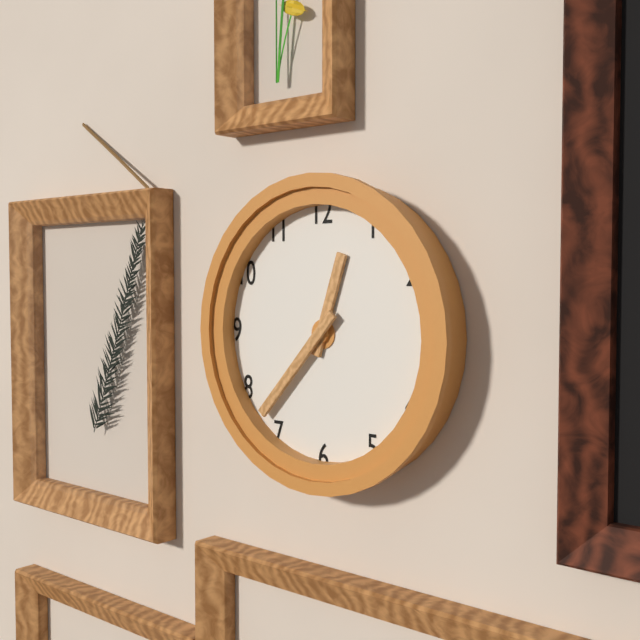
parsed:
**12:37**
